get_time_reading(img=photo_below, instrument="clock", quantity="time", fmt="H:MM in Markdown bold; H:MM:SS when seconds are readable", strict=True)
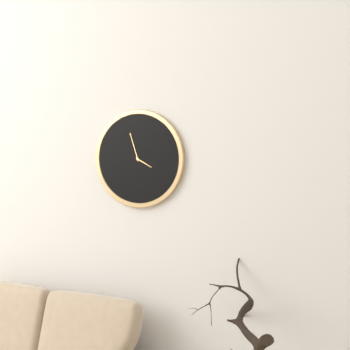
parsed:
**3:57**
